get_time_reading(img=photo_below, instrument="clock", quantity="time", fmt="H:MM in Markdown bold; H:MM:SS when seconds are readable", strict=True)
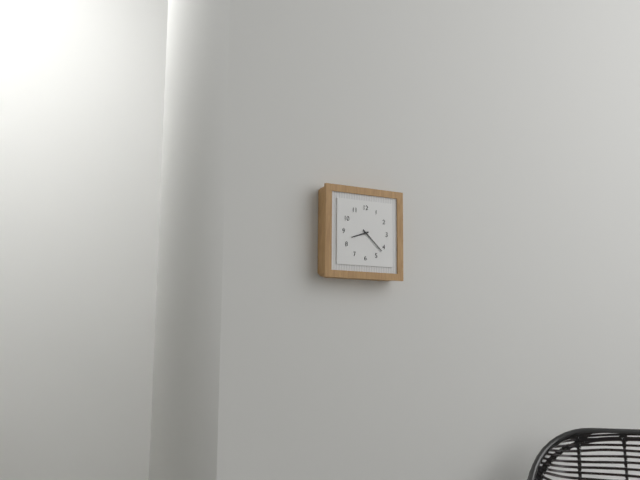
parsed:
**8:22**
